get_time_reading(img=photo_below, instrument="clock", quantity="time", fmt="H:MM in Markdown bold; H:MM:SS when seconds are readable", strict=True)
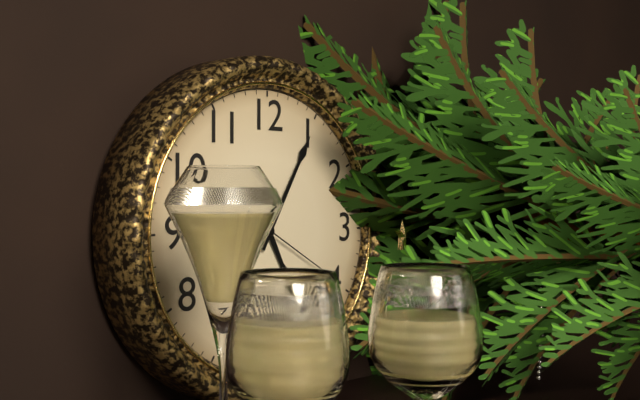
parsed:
**5:05:20**
